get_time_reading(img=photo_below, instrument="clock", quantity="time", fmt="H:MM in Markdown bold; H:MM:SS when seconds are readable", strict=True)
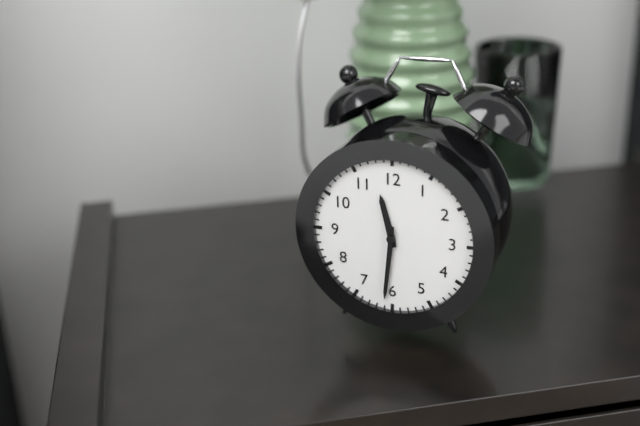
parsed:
**11:31**
